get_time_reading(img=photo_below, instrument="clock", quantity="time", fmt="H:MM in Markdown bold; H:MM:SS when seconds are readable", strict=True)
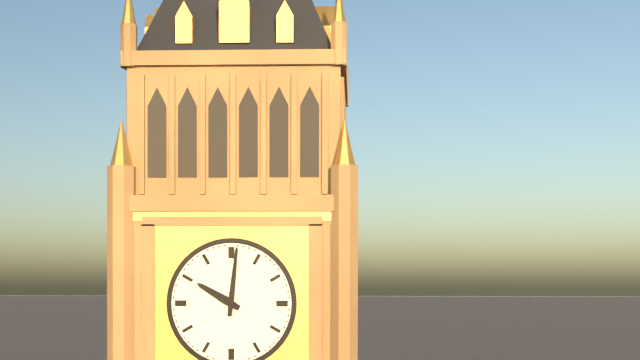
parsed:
**10:01**
